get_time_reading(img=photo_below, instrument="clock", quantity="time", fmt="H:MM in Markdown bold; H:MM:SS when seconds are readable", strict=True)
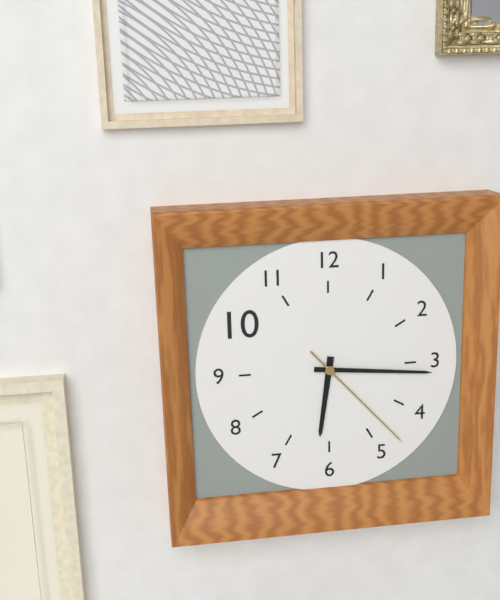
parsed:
**6:16:23**
